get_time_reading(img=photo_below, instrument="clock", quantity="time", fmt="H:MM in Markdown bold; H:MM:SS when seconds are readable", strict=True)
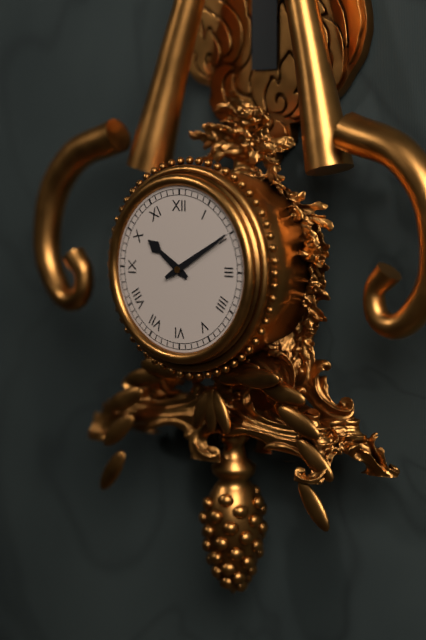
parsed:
**10:10**
